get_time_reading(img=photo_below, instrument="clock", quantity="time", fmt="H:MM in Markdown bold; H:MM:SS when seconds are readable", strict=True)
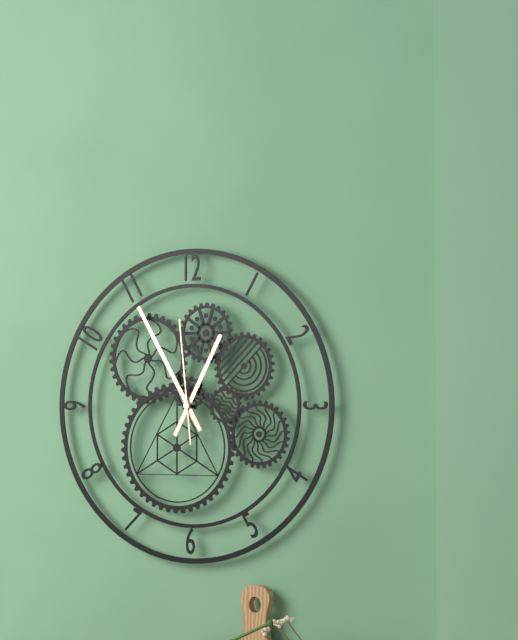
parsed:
**12:55:59**
